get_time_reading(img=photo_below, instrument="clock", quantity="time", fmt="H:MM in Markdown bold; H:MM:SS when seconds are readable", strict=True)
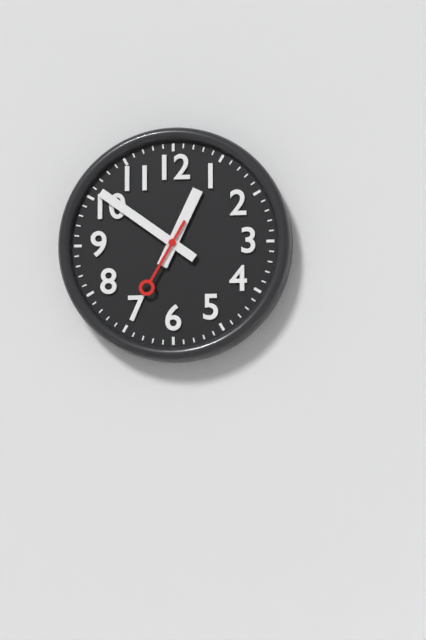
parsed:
**12:51:35**
